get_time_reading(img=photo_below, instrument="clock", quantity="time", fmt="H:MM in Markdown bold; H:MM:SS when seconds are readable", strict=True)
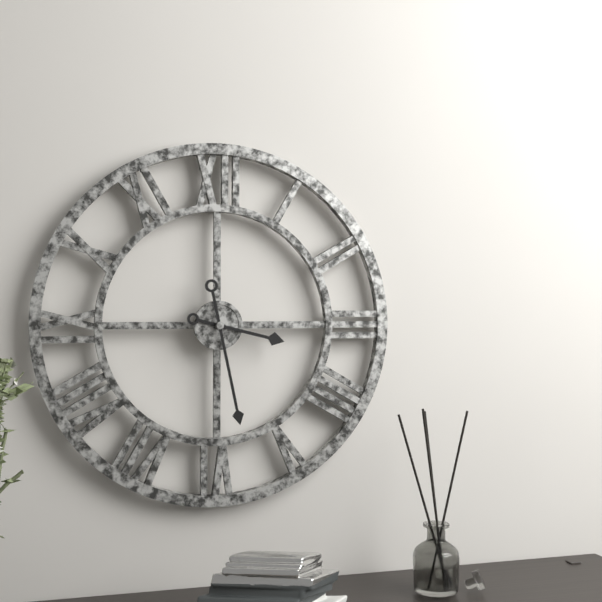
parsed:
**3:28**
